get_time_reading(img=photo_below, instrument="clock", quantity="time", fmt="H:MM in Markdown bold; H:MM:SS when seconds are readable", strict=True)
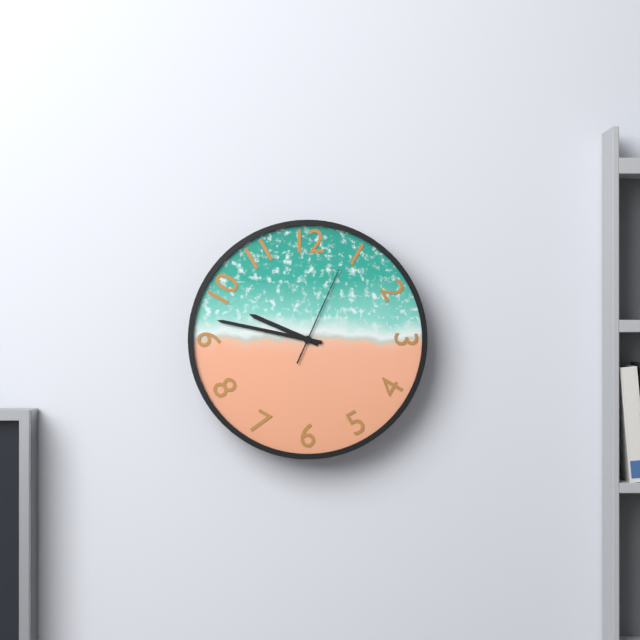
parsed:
**9:47:04**
